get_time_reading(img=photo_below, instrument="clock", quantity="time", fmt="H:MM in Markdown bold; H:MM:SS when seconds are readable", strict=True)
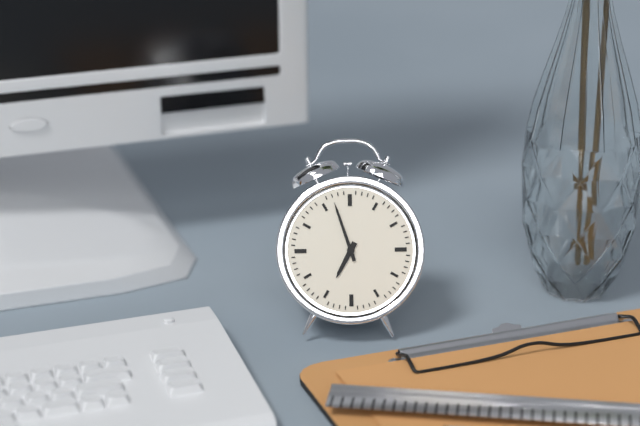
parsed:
**6:57**
